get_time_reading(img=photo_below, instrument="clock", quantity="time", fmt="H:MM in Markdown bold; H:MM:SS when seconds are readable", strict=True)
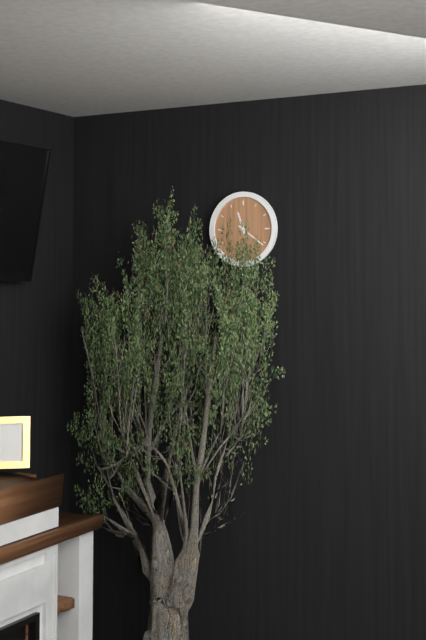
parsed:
**11:21**
